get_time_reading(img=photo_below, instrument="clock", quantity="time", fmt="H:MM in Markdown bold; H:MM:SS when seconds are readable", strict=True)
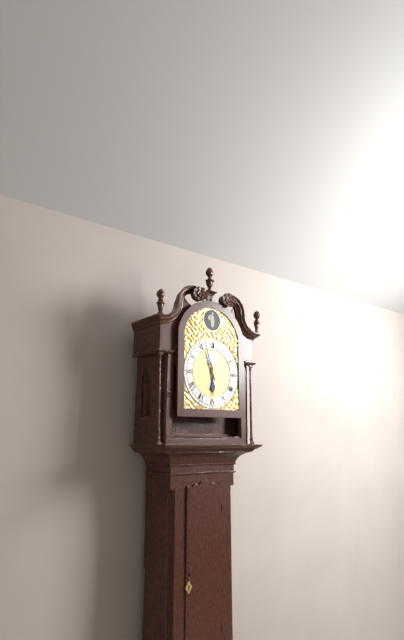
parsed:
**5:57**
